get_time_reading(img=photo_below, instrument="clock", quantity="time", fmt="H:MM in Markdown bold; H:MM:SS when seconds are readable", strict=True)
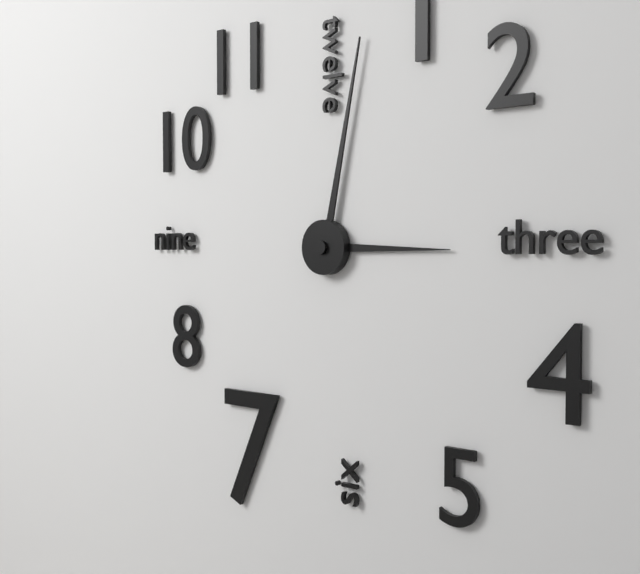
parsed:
**3:02**
